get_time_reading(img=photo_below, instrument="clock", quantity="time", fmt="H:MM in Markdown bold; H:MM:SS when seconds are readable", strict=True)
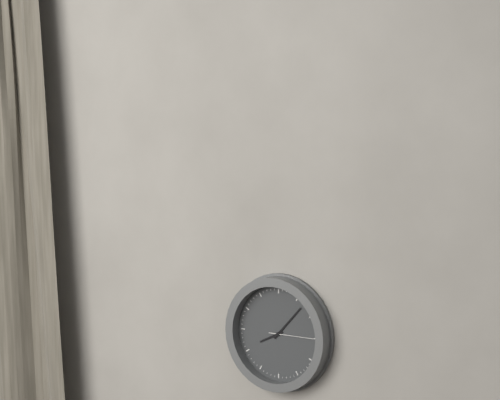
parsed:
**8:07**
